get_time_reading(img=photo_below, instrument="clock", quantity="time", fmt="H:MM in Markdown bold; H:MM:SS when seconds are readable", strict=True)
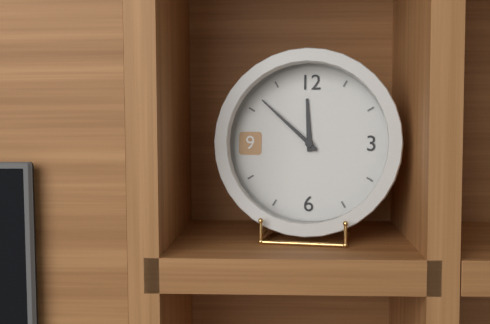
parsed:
**11:52**
